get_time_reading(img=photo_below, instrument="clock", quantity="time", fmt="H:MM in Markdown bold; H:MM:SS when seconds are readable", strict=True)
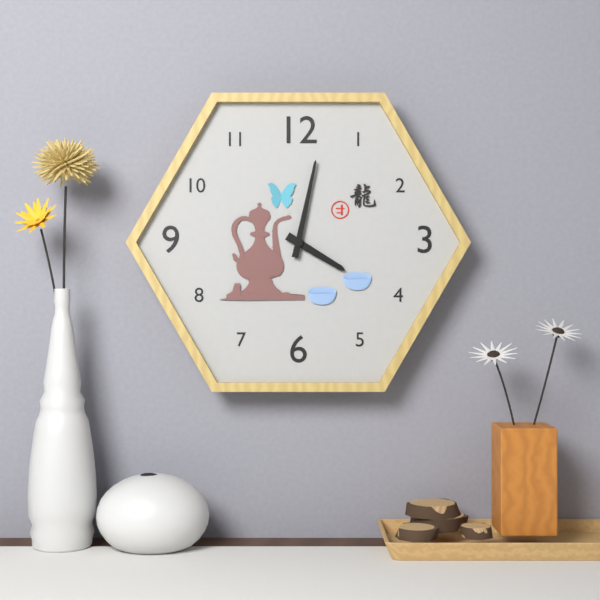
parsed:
**4:02**
